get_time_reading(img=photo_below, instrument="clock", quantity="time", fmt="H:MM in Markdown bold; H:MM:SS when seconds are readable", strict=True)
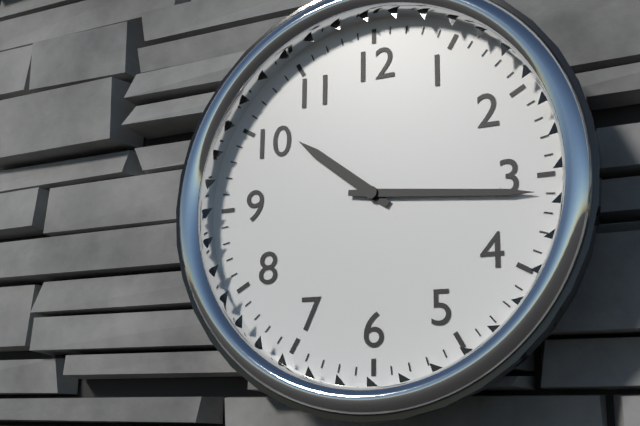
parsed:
**10:16**
